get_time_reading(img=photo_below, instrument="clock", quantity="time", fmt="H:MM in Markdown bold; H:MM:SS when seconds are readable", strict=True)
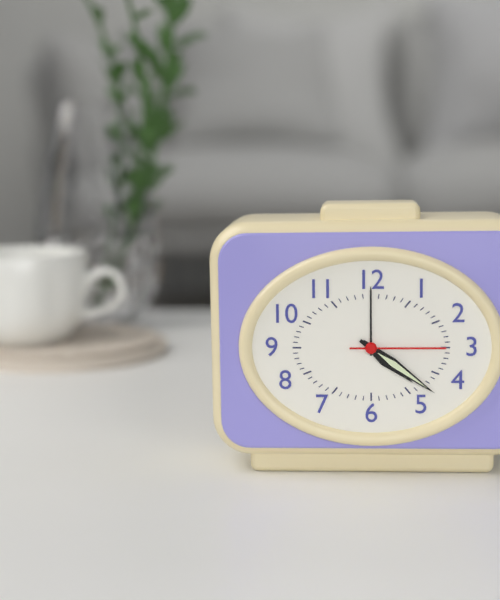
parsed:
**4:21:15**
